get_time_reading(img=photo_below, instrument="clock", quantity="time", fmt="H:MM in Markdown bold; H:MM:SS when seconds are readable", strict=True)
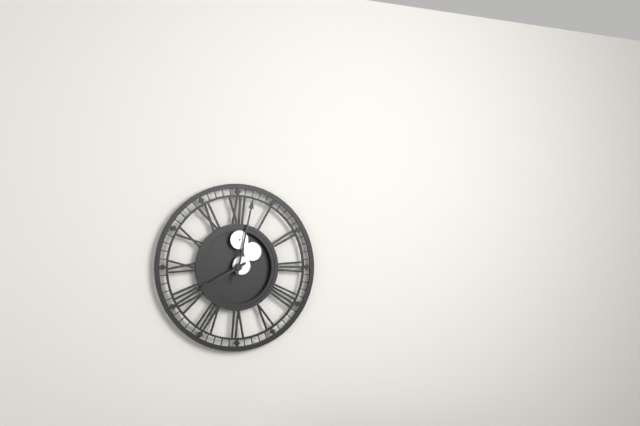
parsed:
**8:02**
